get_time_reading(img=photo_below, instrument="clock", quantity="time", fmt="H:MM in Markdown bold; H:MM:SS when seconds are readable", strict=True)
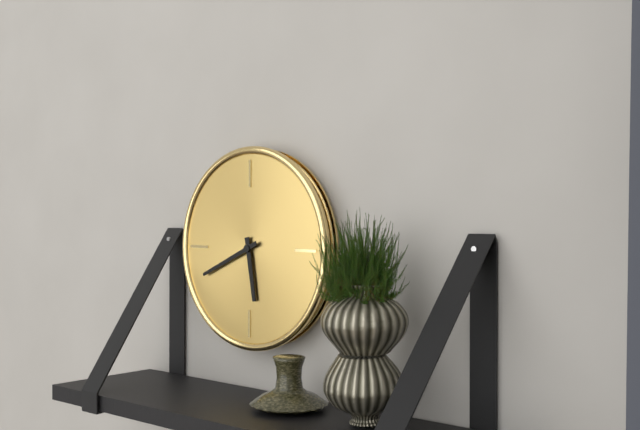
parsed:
**5:41**
